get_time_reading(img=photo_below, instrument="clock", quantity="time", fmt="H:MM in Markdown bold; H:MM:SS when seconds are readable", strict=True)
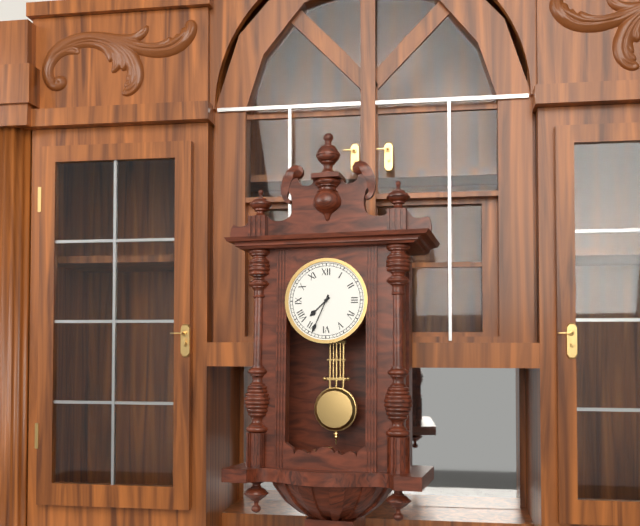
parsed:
**7:34**
